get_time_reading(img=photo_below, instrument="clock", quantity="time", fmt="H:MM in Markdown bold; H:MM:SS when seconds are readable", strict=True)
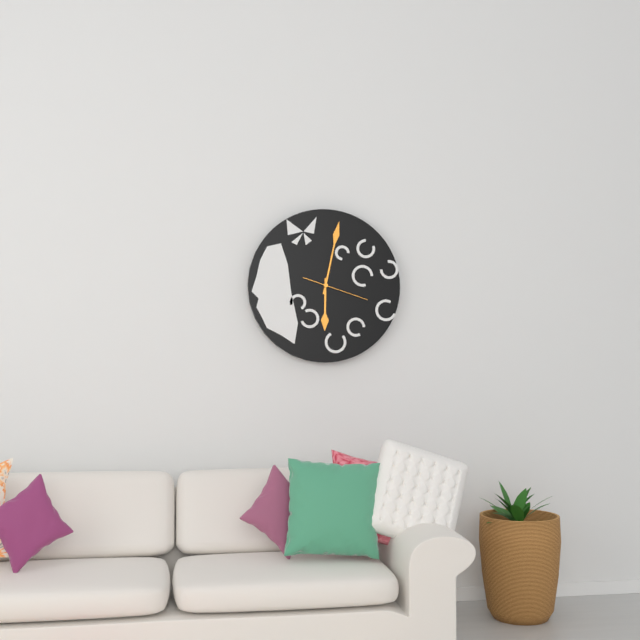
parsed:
**6:02:18**
